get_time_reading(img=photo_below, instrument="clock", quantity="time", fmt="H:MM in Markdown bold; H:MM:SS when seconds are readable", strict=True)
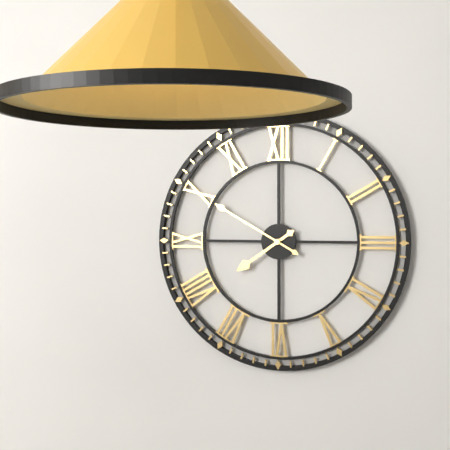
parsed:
**7:50**
